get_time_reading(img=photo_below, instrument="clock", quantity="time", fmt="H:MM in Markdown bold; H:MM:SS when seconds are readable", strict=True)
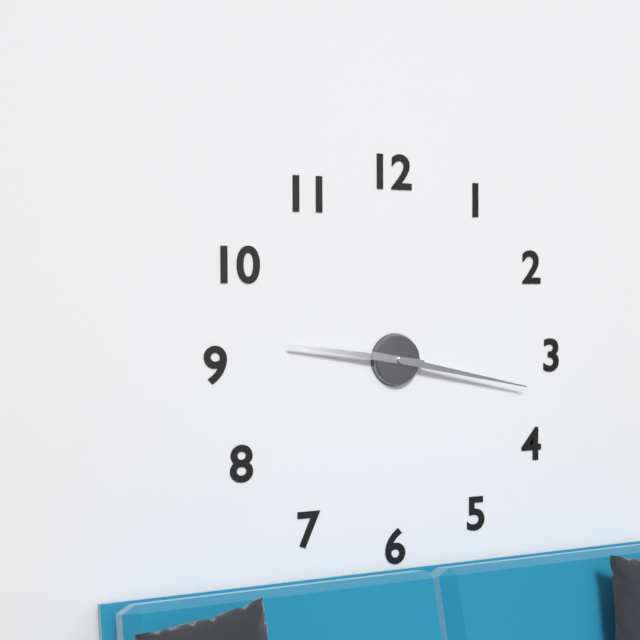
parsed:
**9:17**
